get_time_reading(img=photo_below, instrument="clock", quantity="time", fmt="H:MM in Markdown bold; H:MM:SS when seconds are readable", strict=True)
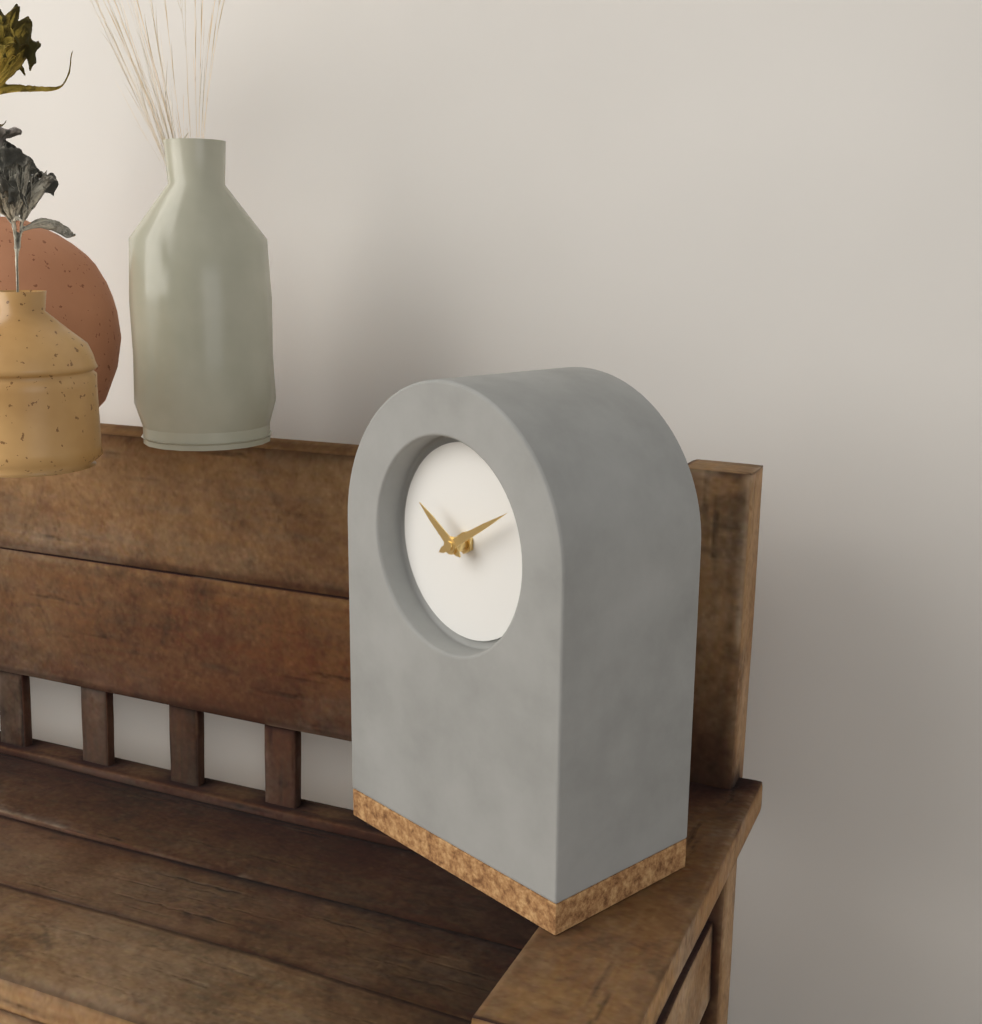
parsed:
**10:10**
